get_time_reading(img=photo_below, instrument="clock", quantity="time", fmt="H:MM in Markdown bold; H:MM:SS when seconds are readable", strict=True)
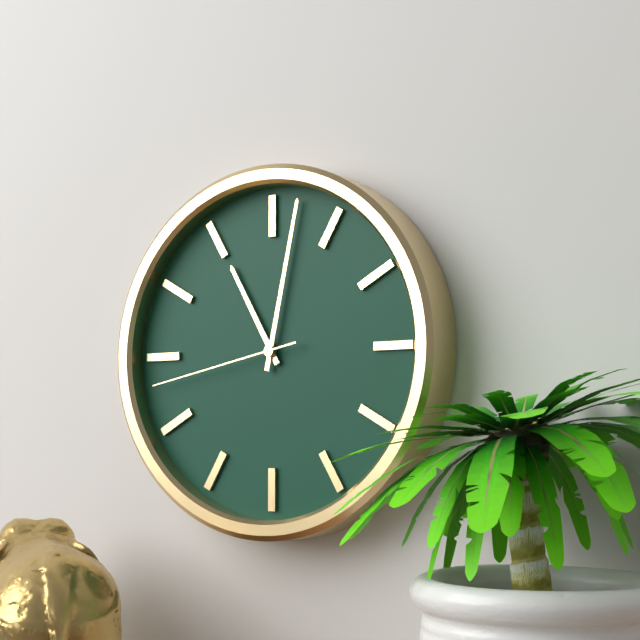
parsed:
**11:02:43**
